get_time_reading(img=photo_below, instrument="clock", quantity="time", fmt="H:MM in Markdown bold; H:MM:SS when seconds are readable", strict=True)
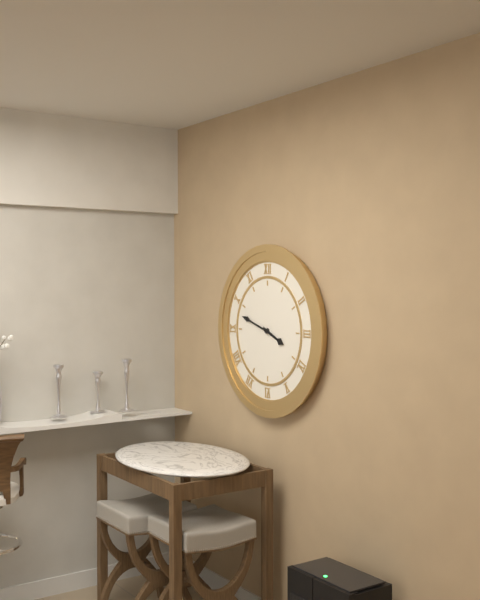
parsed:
**3:48**
